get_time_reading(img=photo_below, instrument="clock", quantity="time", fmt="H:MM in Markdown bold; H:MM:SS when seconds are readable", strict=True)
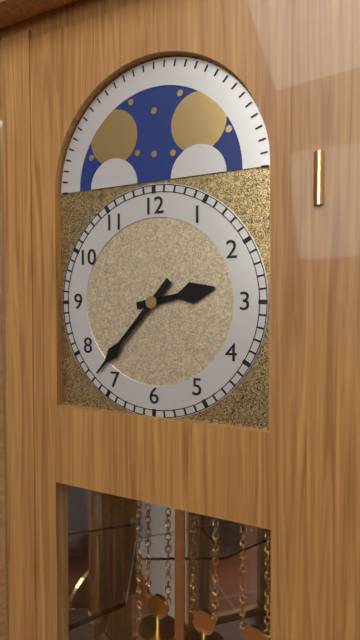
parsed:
**2:37**
